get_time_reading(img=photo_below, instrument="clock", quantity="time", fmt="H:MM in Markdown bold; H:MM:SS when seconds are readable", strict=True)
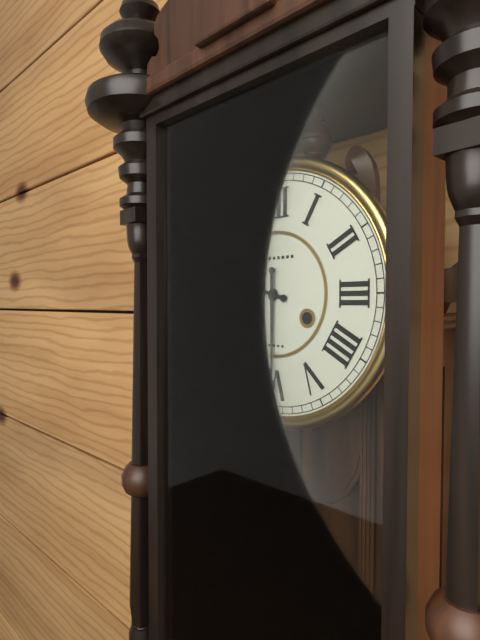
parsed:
**9:30**
